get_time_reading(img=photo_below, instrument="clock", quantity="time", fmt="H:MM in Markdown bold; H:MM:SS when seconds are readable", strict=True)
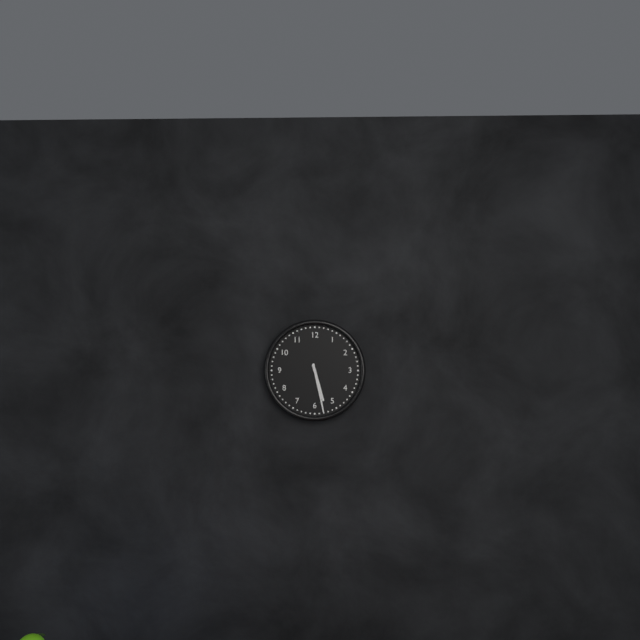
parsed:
**5:28**
